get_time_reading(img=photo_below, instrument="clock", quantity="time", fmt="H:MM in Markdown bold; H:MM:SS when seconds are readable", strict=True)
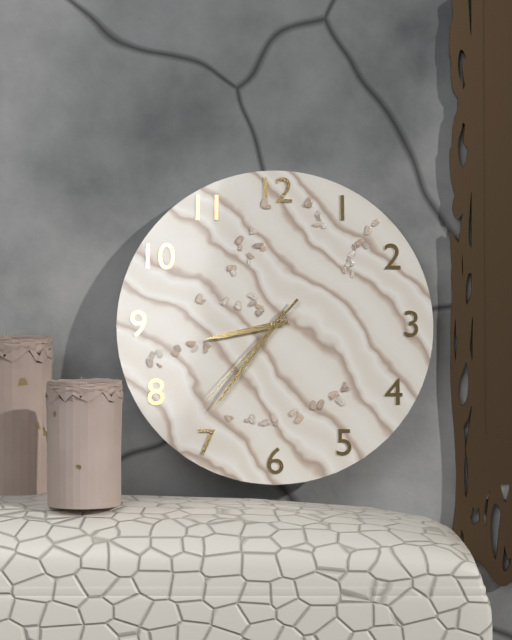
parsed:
**8:36:37**
